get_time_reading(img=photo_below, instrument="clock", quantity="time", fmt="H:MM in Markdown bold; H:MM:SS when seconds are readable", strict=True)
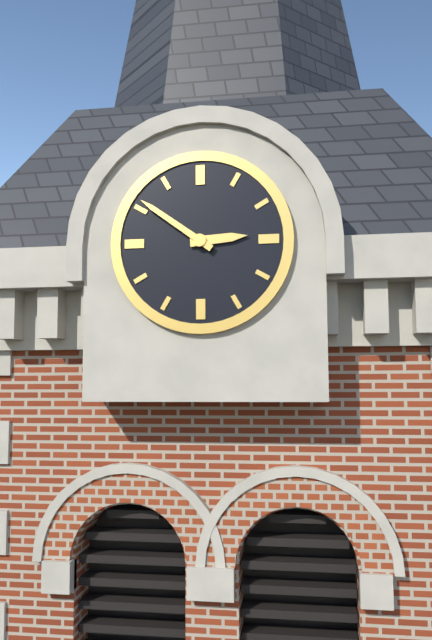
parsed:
**2:51**
